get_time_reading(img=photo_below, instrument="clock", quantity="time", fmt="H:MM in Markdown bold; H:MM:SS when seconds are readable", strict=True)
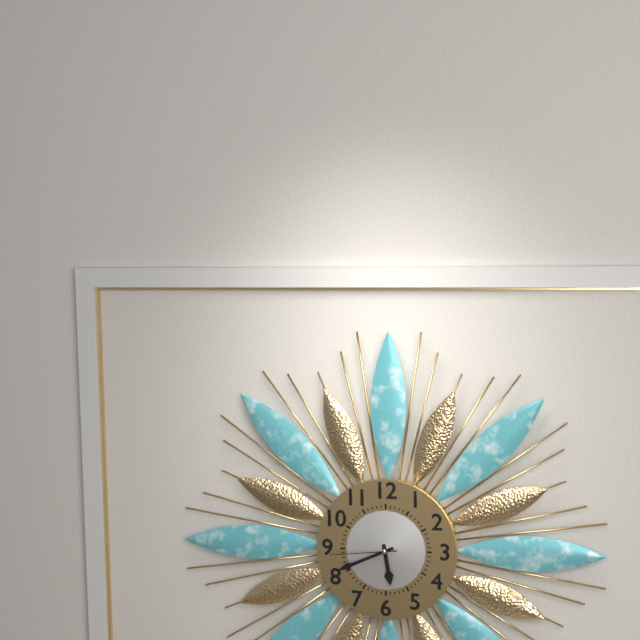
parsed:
**5:41:44**
